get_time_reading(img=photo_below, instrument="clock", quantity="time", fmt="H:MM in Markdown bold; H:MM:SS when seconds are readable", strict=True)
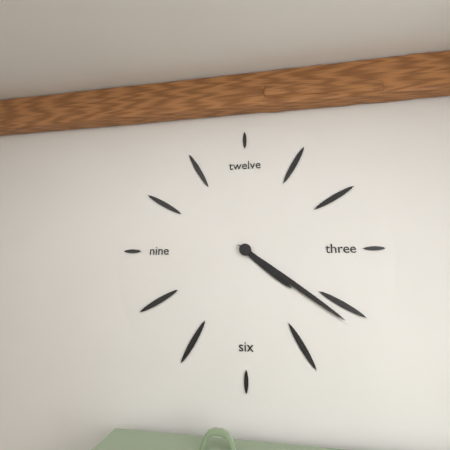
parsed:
**4:21**
